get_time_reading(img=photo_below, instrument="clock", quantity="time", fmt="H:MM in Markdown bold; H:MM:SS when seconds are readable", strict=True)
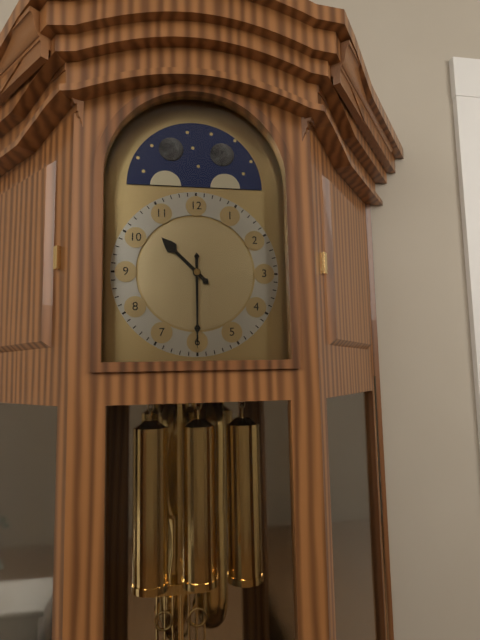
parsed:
**10:30**
